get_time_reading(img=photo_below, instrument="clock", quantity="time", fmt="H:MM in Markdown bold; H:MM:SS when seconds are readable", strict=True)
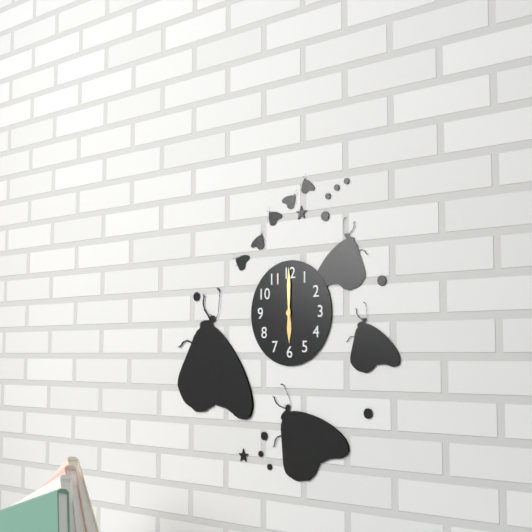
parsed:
**6:00**
